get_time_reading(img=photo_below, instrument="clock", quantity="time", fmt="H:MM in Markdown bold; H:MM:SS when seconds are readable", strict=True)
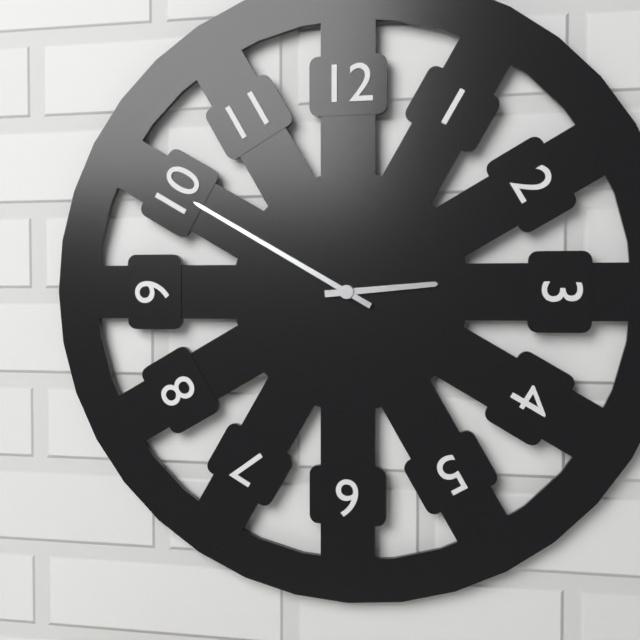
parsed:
**2:50**
